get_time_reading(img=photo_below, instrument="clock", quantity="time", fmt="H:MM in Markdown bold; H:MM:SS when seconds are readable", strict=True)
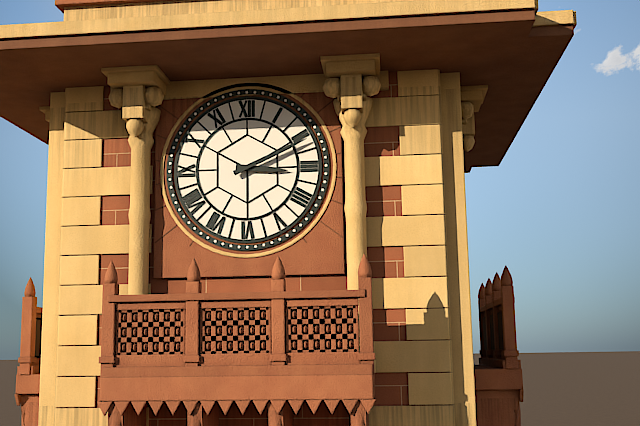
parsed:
**3:11**
